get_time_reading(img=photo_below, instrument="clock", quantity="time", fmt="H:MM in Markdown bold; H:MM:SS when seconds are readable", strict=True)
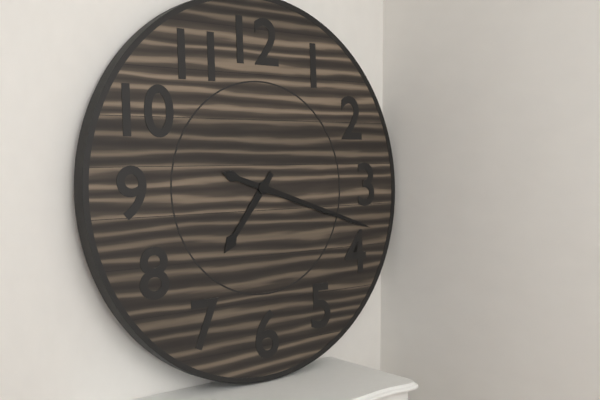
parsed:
**7:18**
